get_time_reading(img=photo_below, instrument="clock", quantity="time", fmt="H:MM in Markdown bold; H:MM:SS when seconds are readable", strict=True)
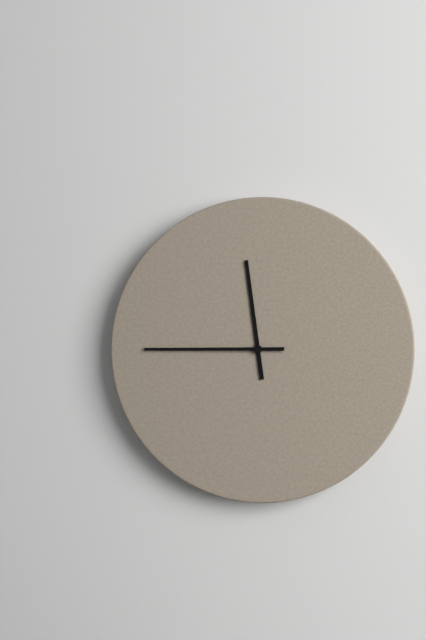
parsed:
**11:45**
